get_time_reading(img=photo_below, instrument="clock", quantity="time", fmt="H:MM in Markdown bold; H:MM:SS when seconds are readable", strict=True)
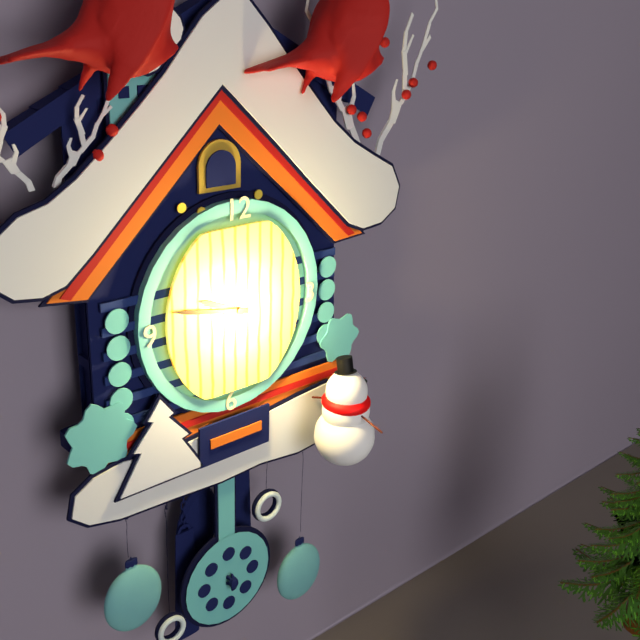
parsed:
**9:47**
